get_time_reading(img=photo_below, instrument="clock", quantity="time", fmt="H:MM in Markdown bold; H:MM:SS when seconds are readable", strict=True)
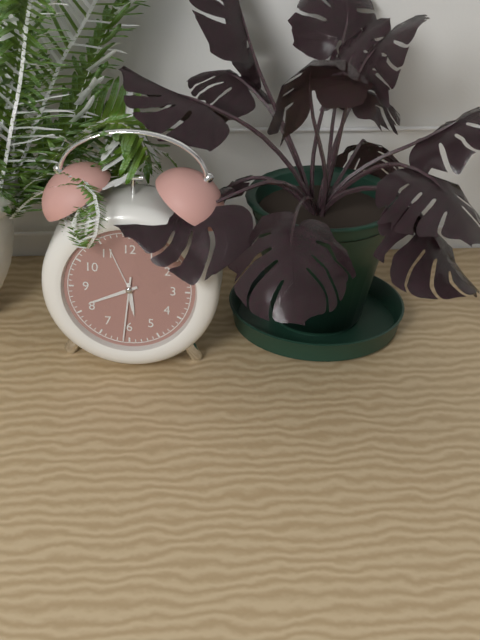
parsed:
**5:41:31**
